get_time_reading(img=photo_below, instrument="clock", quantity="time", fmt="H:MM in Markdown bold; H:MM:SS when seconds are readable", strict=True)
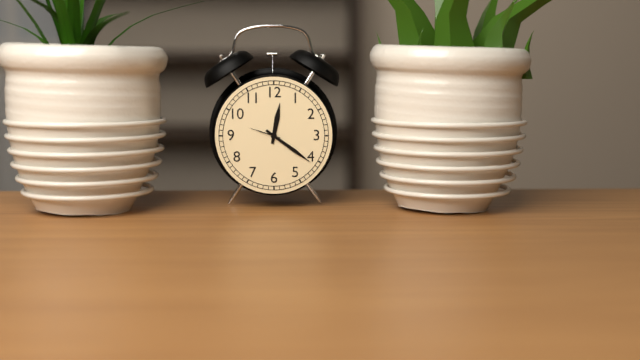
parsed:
**12:21**
